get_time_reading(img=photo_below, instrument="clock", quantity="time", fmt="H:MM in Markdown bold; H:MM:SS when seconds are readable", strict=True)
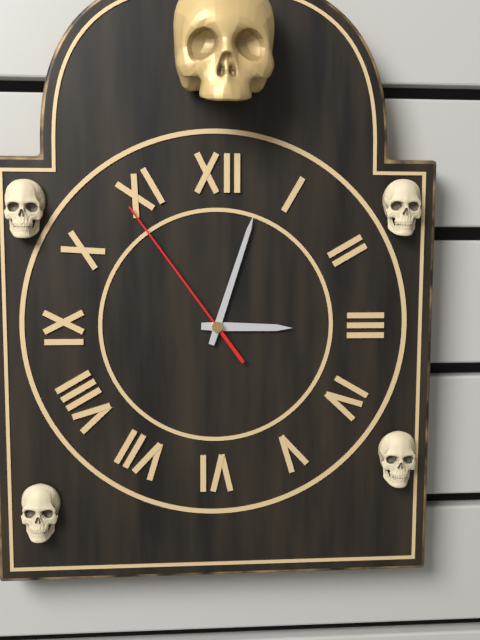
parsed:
**3:03:54**
